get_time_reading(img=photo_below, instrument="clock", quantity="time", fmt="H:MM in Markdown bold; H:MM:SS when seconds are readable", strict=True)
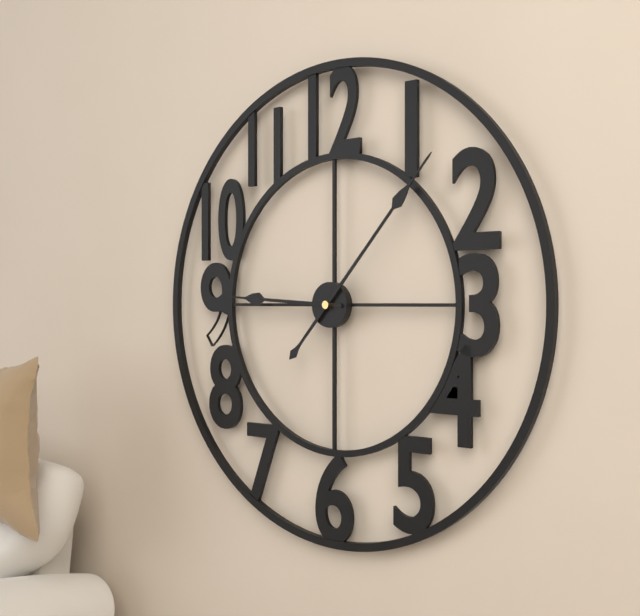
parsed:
**9:07**
